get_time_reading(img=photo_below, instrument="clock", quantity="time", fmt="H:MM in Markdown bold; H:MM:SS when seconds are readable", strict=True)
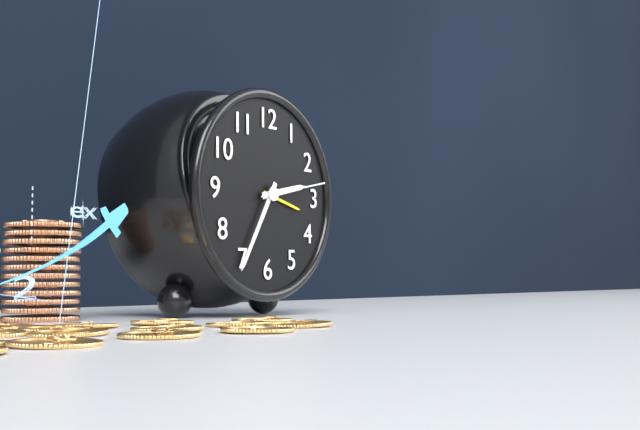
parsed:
**2:35:13**
